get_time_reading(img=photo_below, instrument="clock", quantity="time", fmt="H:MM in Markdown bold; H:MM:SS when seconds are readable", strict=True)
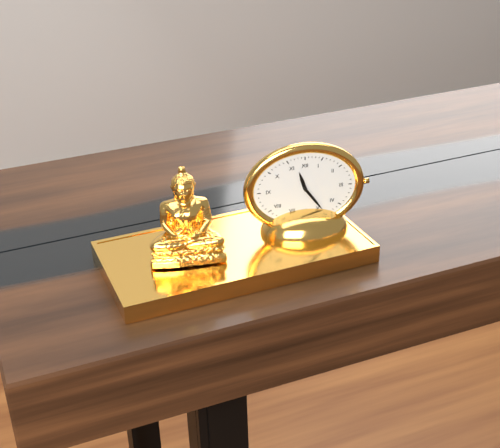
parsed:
**11:24**
